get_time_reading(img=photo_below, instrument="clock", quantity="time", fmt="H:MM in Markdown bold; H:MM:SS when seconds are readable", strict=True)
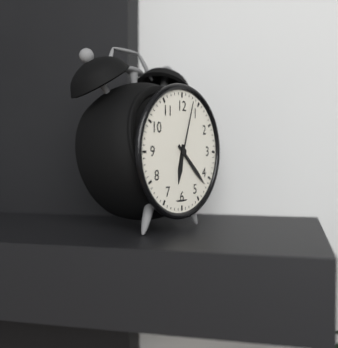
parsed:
**6:22:03**
